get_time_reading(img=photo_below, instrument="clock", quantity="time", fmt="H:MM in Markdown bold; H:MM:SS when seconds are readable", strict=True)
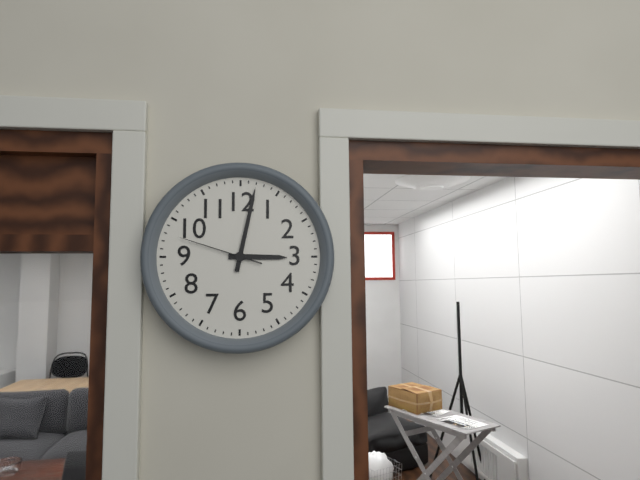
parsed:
**3:02:48**
